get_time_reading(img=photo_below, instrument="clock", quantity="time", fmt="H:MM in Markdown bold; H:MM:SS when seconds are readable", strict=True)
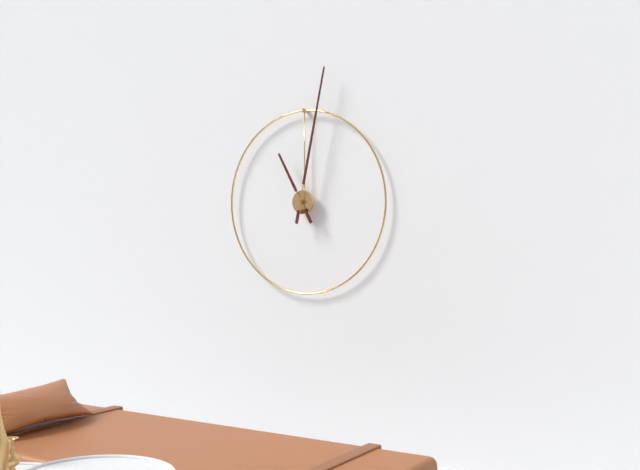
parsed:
**11:02**
